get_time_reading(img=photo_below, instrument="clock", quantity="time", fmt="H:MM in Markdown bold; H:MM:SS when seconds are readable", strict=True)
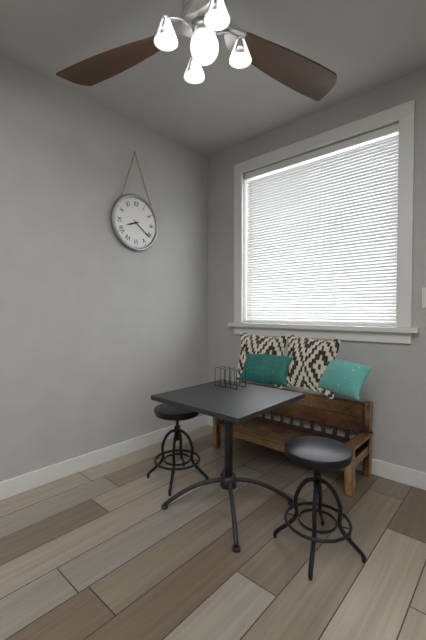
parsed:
**8:21**
